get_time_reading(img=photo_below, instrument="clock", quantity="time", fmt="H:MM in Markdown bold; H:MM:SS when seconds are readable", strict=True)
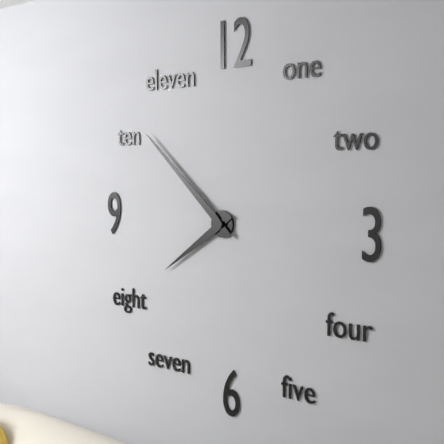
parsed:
**7:52**
